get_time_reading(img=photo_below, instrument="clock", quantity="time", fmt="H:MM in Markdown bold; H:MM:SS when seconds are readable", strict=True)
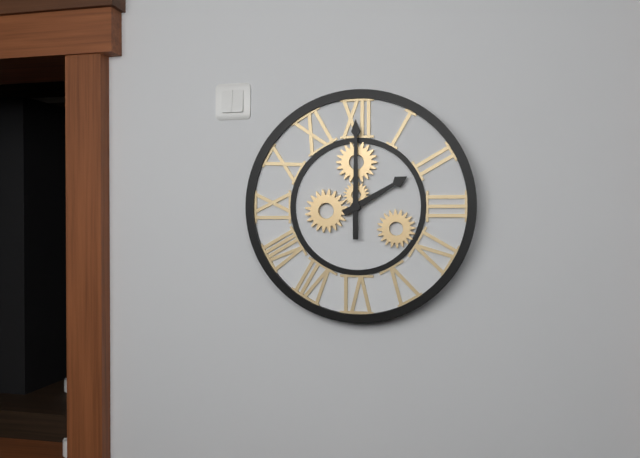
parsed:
**2:00**
